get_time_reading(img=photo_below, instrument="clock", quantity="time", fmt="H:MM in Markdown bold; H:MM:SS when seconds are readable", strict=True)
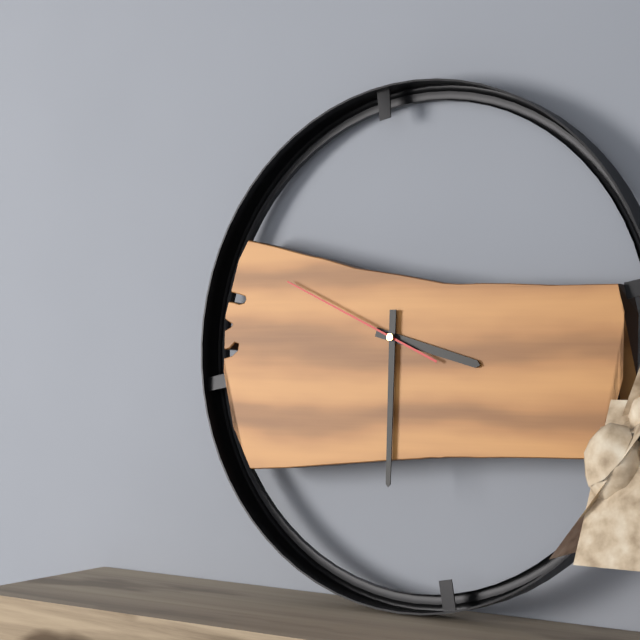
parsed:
**3:30:49**
